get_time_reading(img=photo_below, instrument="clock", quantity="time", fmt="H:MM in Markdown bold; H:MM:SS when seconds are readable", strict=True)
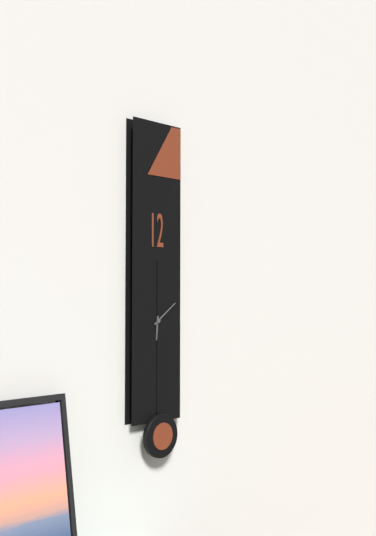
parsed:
**6:09**
